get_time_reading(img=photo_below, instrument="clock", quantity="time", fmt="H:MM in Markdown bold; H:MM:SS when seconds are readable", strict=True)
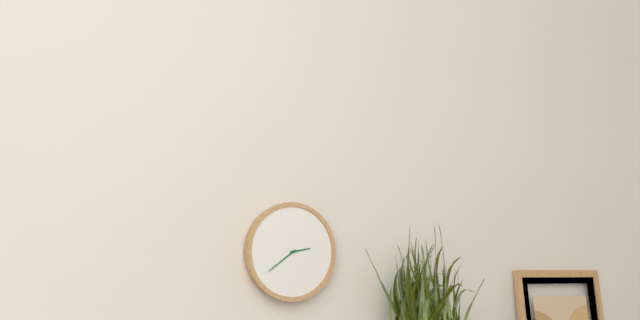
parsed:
**2:39**
